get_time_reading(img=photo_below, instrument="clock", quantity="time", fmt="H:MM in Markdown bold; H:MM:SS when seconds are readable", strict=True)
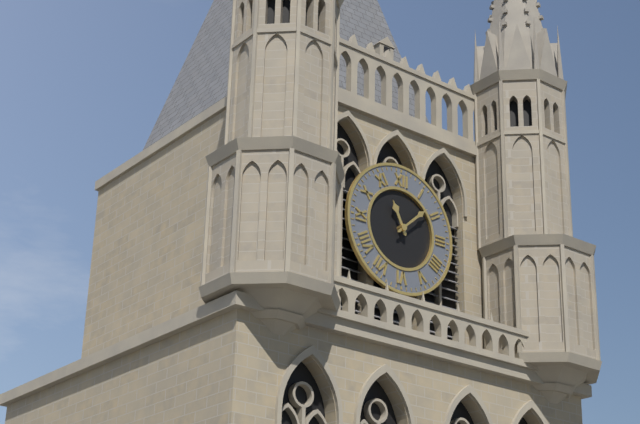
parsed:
**11:08**
